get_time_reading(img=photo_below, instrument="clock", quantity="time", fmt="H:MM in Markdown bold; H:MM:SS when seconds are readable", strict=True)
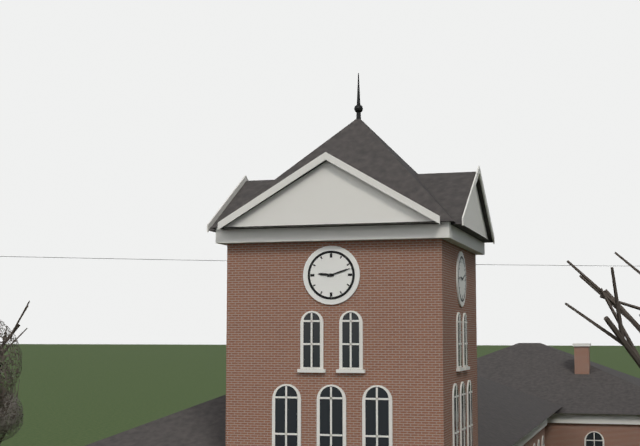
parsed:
**9:12**
